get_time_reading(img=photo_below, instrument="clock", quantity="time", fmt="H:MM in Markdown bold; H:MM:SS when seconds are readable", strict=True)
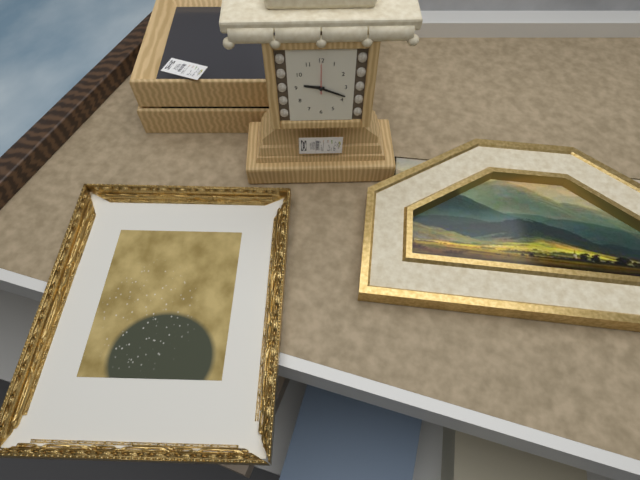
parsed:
**9:19**
